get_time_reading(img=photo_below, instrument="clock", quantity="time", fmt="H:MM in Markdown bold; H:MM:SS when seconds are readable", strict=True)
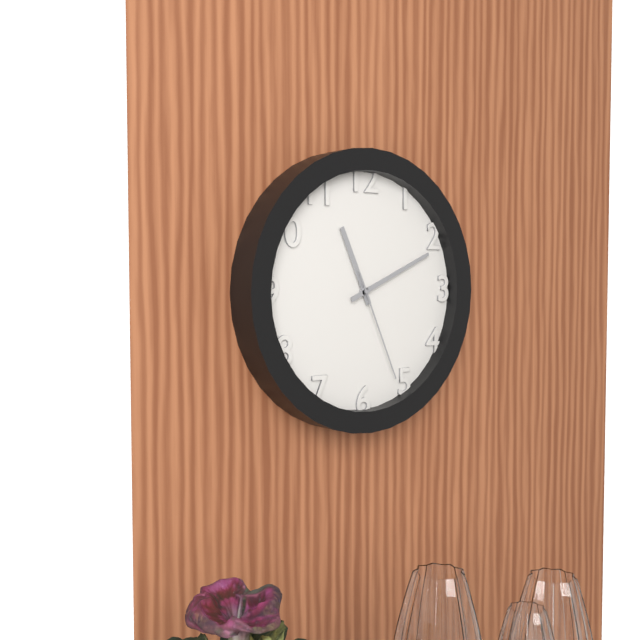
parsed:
**11:11:26**
